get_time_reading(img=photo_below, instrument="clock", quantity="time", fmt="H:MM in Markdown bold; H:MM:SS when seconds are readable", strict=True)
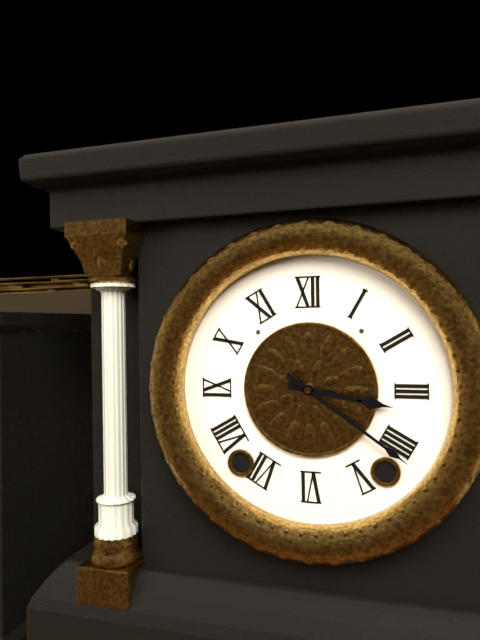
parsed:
**3:21**
